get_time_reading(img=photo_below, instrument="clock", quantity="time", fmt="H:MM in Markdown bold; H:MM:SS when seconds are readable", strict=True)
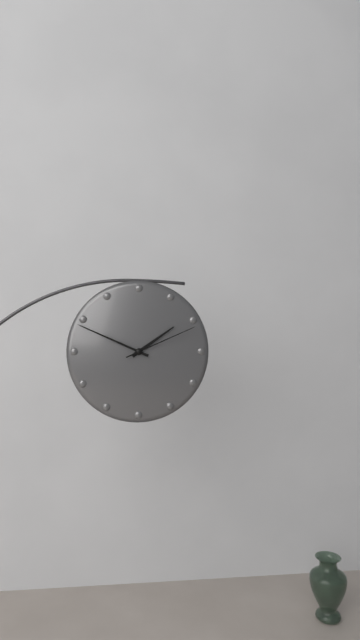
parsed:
**1:49:11**
